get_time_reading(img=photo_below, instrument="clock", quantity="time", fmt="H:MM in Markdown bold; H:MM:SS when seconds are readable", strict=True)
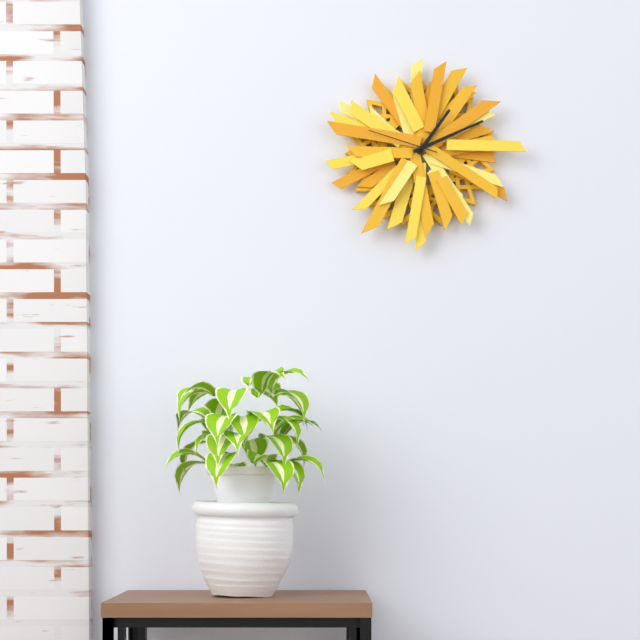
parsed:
**1:11:48**
